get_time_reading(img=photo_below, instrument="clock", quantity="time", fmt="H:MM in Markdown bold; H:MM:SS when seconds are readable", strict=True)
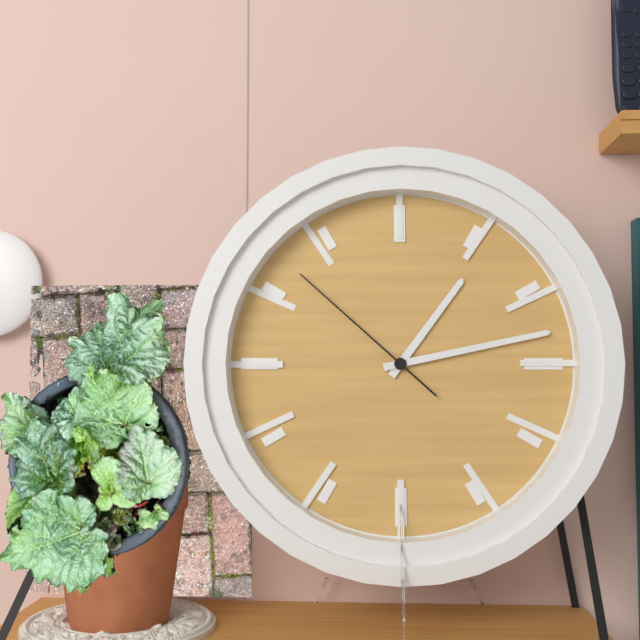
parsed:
**1:13:52**
